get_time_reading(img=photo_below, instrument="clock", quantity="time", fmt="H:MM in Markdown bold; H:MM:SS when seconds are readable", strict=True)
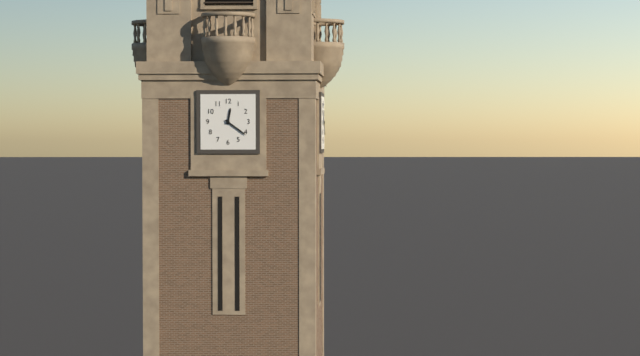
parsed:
**12:21**
